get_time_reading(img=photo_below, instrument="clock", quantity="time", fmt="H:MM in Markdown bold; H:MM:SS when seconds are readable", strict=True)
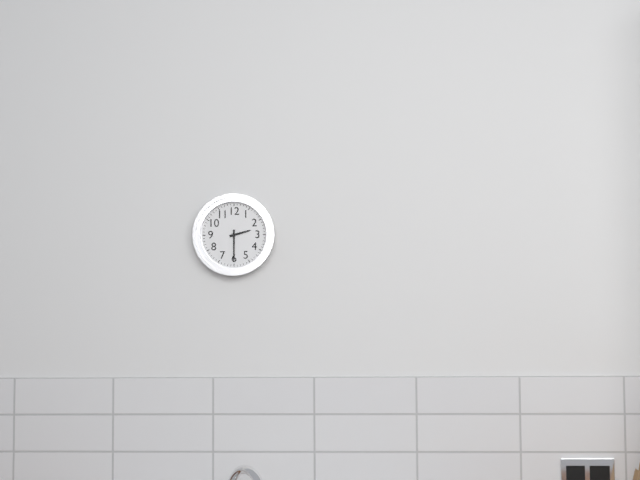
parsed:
**2:30**
